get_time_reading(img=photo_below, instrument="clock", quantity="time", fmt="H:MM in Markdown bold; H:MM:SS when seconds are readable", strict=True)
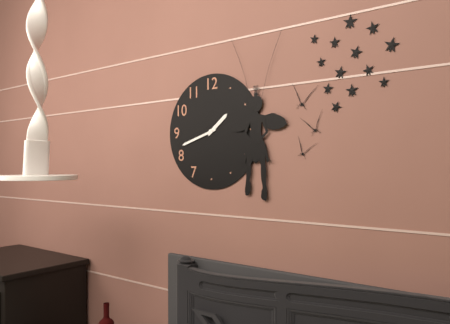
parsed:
**1:42**
